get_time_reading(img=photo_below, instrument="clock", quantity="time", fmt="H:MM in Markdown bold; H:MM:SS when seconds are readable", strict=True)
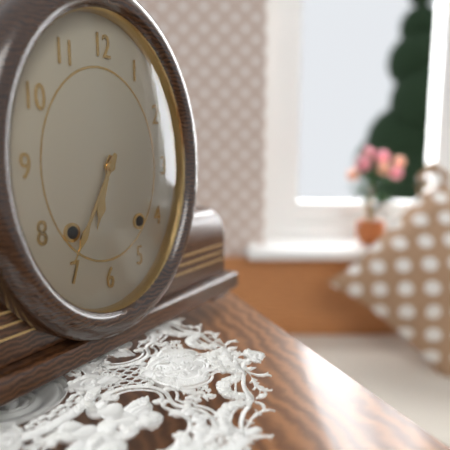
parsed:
**6:35**
